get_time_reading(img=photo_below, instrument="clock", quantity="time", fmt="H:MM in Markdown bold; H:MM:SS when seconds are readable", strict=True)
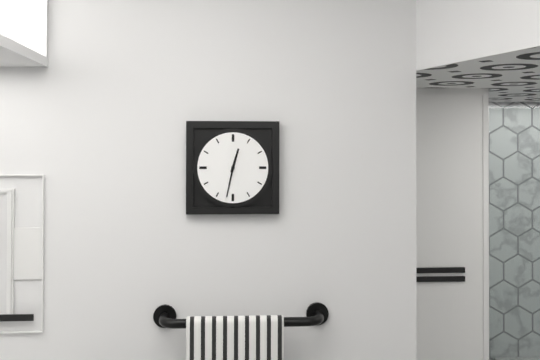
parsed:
**12:32**
